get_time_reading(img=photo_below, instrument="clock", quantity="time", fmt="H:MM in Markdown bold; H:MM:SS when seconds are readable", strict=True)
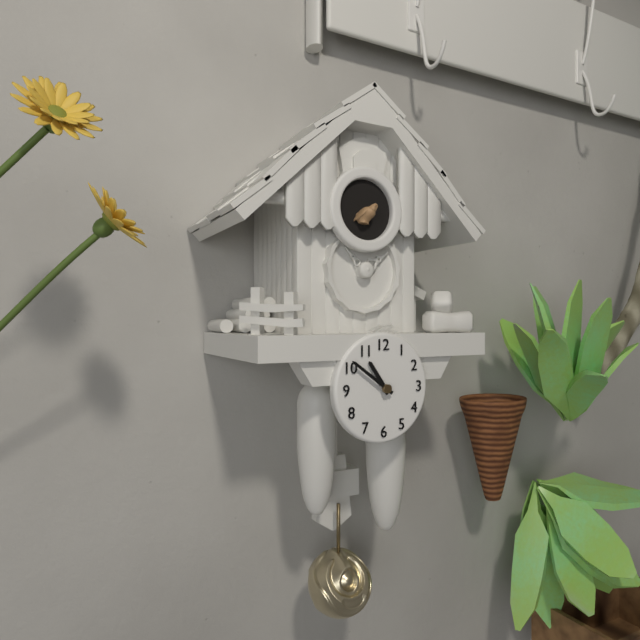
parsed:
**10:51**
